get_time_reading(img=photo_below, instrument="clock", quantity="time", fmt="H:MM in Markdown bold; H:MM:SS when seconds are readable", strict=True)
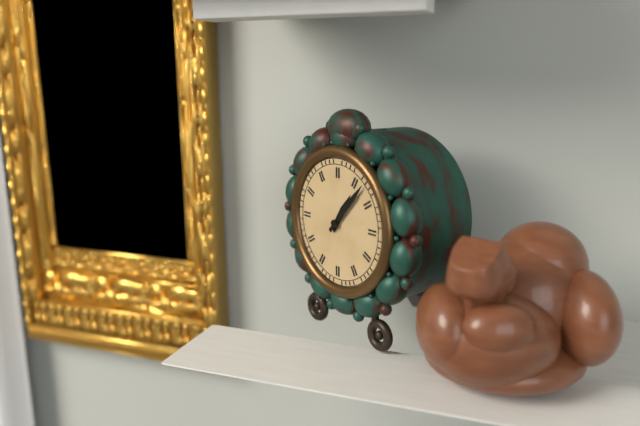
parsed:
**1:07**
